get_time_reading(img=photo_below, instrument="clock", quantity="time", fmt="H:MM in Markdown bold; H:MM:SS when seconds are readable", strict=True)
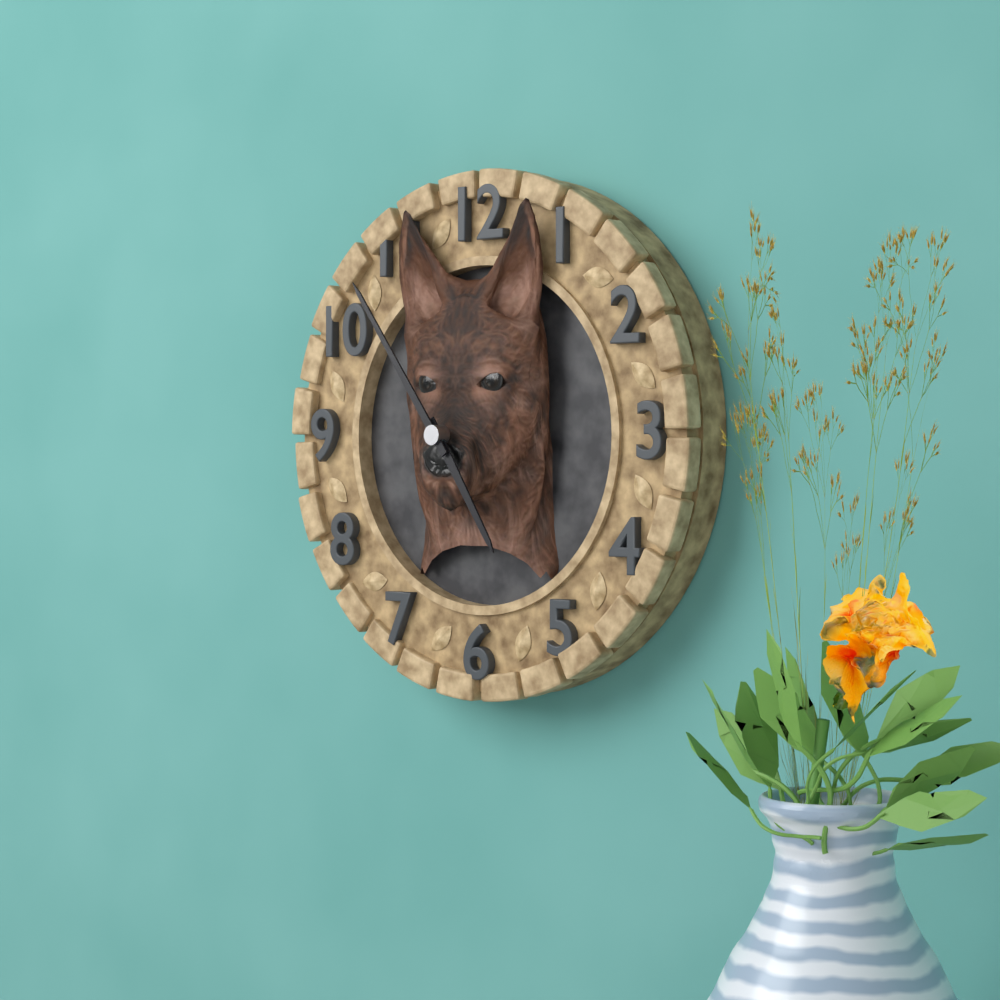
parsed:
**4:54**
